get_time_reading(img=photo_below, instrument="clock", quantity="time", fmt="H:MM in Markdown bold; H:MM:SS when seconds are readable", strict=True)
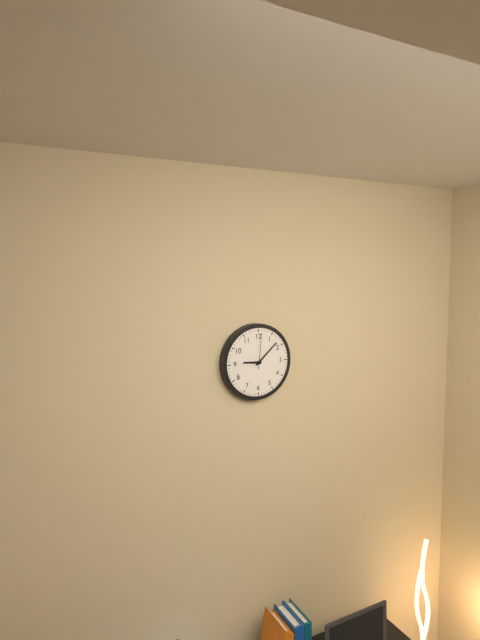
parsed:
**9:08**
